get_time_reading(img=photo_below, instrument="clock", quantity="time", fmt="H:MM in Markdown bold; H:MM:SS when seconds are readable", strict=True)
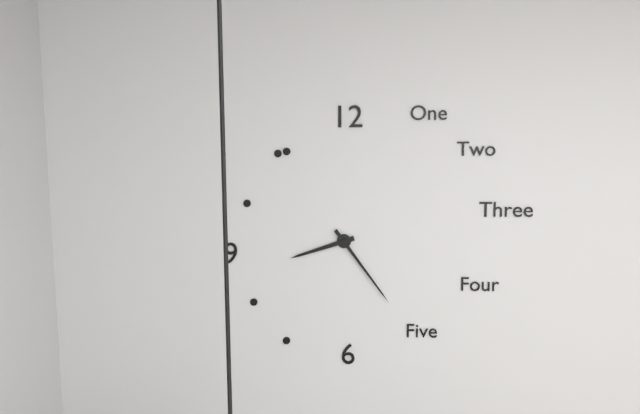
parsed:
**8:24**
